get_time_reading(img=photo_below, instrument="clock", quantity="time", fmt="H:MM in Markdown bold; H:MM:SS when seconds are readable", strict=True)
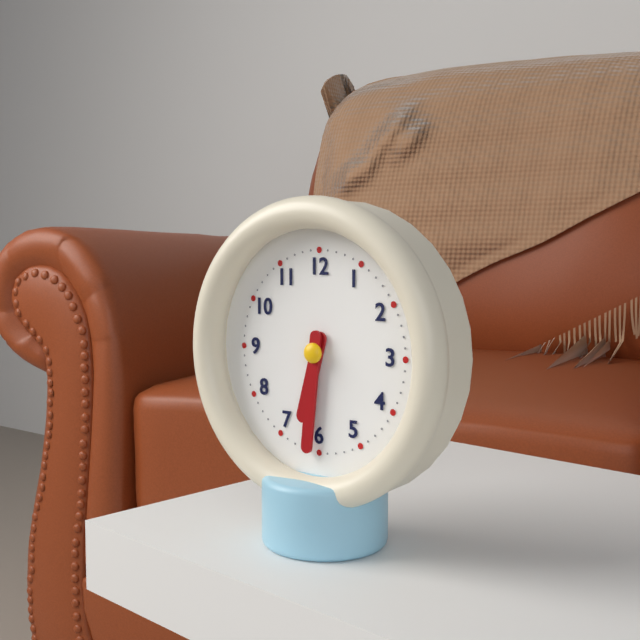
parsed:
**6:31**
